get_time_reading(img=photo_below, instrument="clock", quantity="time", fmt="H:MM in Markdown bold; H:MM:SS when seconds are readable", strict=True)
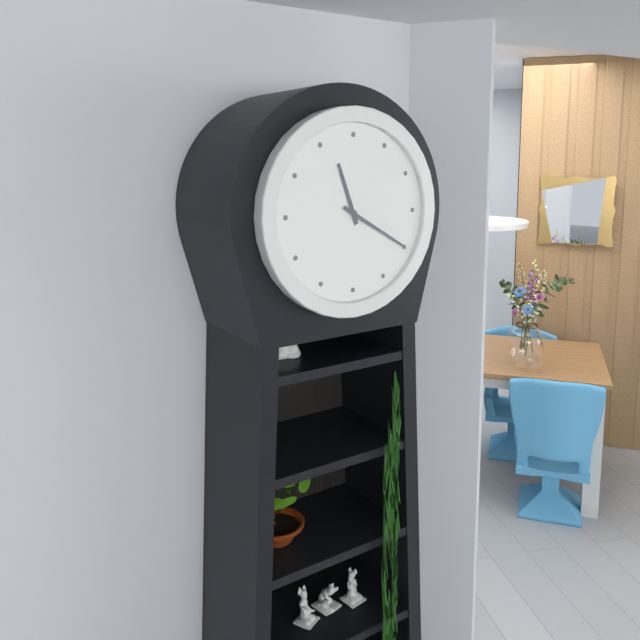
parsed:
**11:20**
